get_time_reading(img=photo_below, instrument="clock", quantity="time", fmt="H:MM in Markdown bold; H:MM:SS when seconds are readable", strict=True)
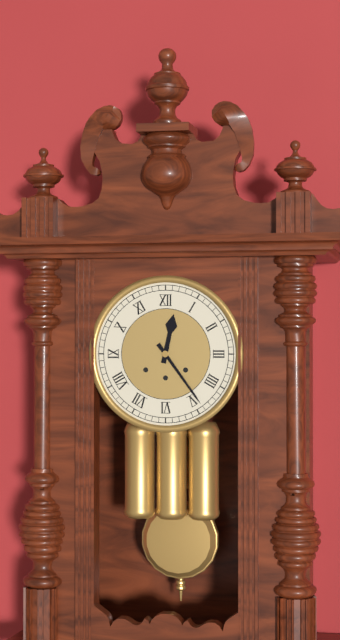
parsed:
**12:24**
